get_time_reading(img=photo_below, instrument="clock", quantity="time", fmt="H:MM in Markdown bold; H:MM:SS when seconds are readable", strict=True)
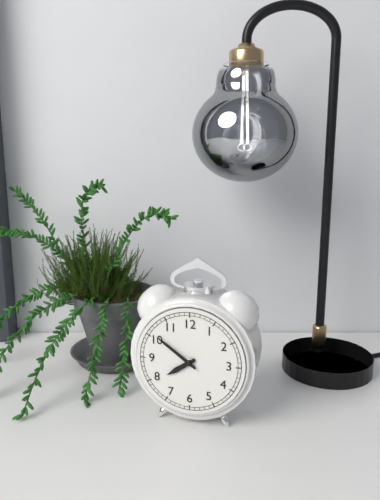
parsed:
**7:51**
